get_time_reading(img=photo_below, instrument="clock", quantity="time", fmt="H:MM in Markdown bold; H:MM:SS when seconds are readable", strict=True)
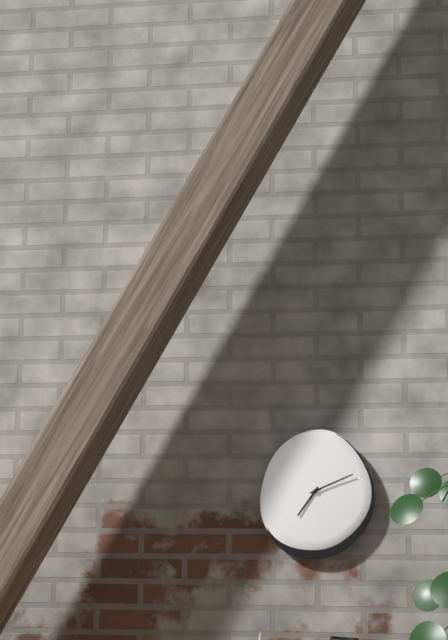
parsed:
**7:11**
